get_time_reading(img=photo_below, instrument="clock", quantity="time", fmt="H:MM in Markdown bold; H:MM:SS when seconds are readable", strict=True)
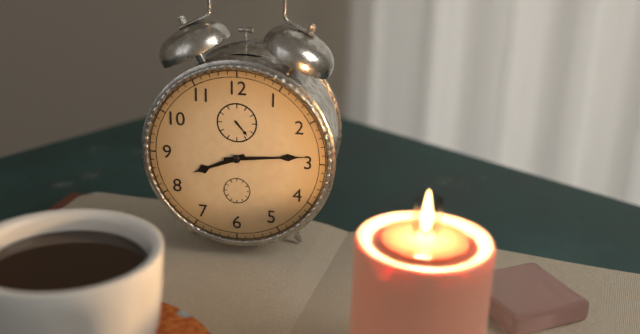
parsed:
**8:14**
